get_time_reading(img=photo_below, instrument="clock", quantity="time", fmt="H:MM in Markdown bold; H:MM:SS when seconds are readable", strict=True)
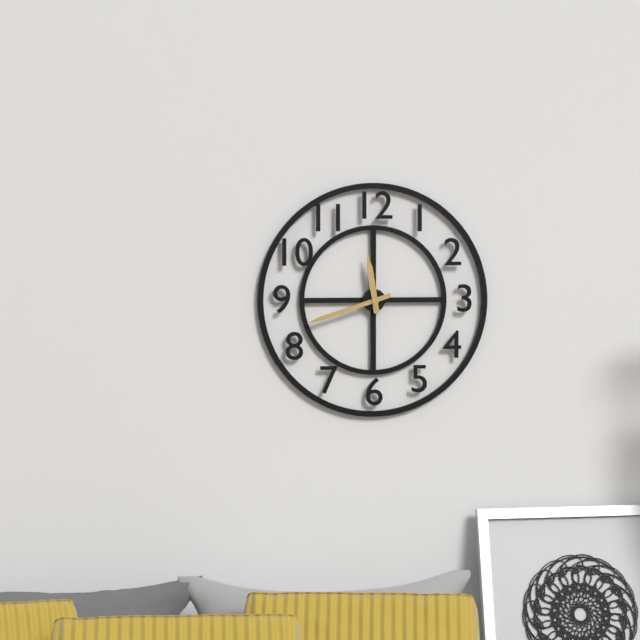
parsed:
**11:42**
